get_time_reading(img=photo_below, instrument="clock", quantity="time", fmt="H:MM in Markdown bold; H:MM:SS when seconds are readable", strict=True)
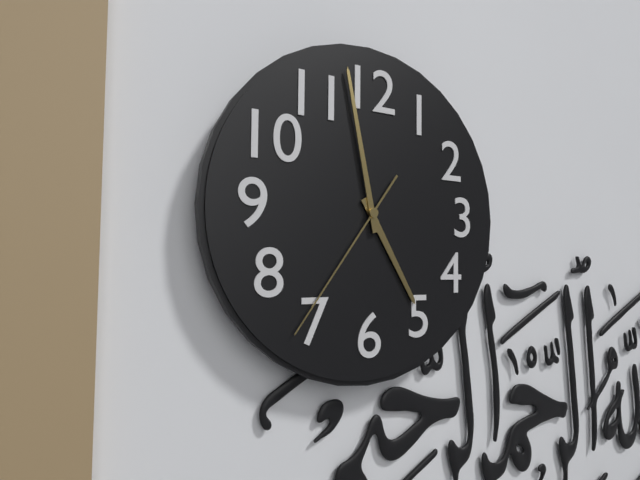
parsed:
**4:58:36**
